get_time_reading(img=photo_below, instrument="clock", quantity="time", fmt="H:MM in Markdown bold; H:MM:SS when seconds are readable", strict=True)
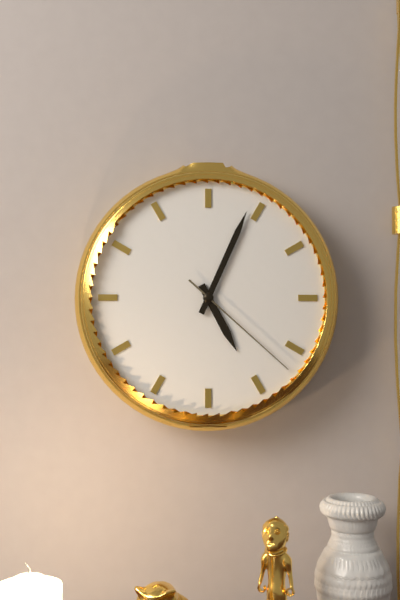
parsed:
**5:04:22**
